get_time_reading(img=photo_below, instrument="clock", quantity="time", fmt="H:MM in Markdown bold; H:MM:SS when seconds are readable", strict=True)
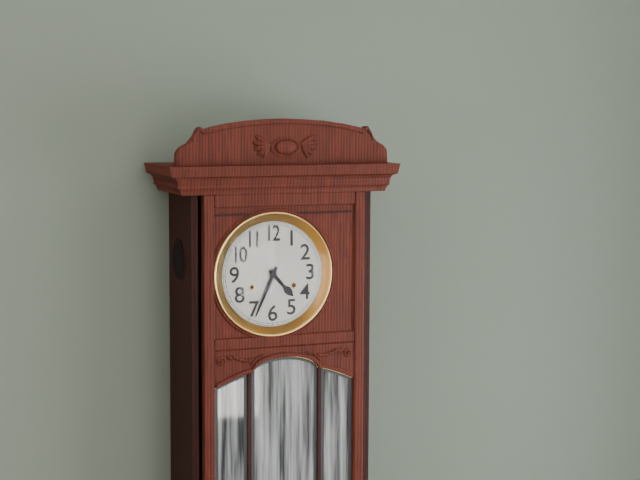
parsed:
**4:34**
